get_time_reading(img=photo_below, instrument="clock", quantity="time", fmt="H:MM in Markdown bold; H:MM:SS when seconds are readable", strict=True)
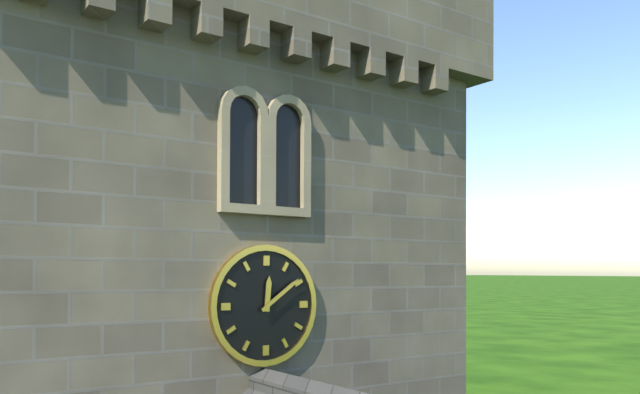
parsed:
**12:09**
